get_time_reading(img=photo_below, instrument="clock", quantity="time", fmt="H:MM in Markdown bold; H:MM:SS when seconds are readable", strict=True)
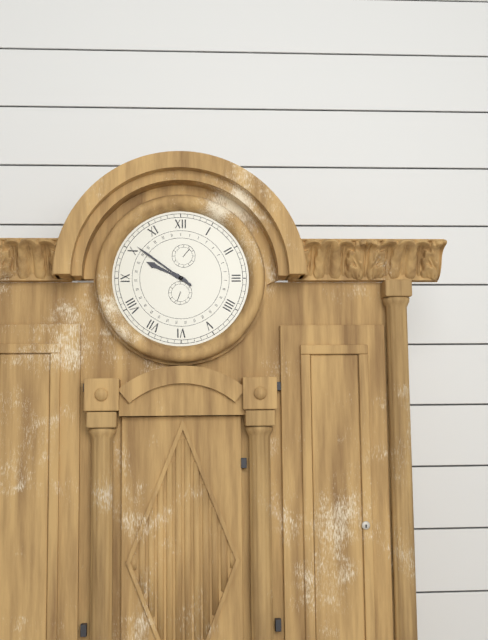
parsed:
**9:51**
